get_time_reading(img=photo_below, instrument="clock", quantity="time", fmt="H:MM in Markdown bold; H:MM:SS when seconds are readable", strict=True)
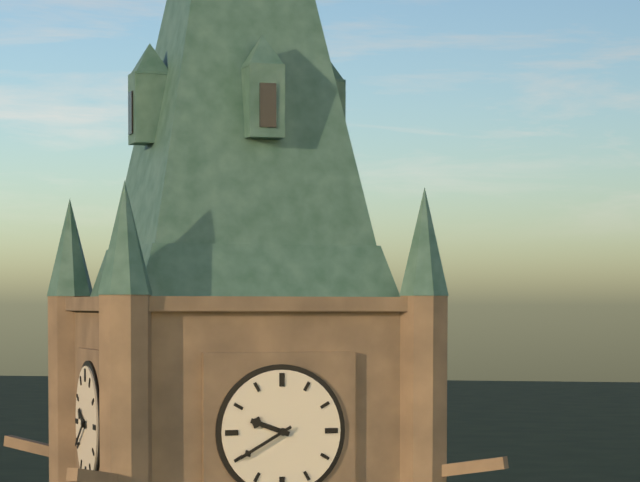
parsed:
**9:40**
